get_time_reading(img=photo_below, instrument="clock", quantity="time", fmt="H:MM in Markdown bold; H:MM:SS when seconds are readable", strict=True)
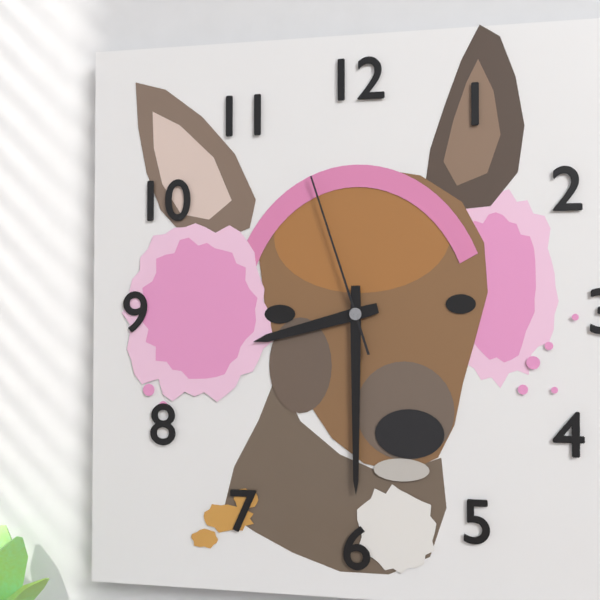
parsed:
**8:30:57**
